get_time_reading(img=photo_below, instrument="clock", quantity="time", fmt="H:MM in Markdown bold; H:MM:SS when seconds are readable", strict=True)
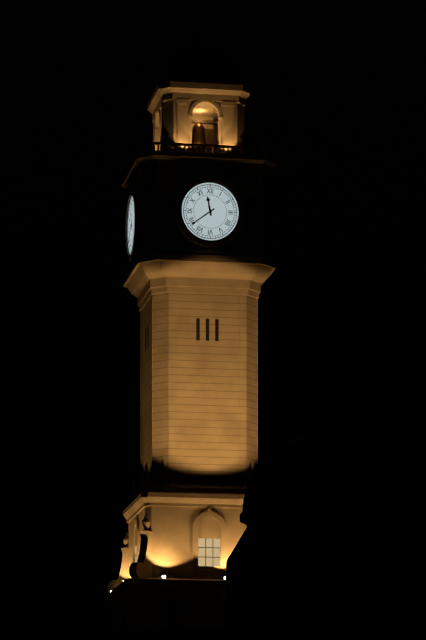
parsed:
**11:39**
